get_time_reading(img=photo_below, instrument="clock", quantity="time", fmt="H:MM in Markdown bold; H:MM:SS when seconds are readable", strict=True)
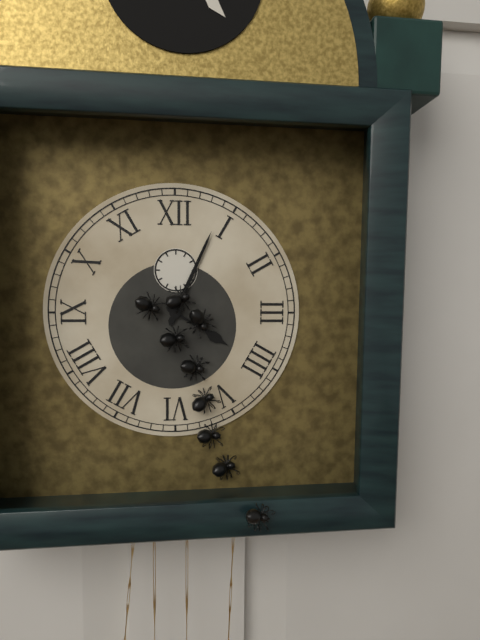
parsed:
**4:04**
